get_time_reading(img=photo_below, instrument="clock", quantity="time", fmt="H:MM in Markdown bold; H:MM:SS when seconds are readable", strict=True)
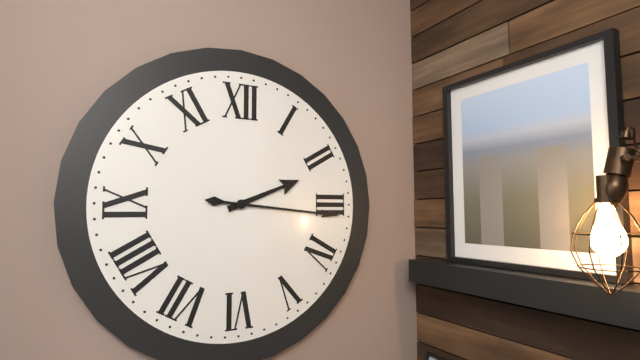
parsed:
**2:16**
